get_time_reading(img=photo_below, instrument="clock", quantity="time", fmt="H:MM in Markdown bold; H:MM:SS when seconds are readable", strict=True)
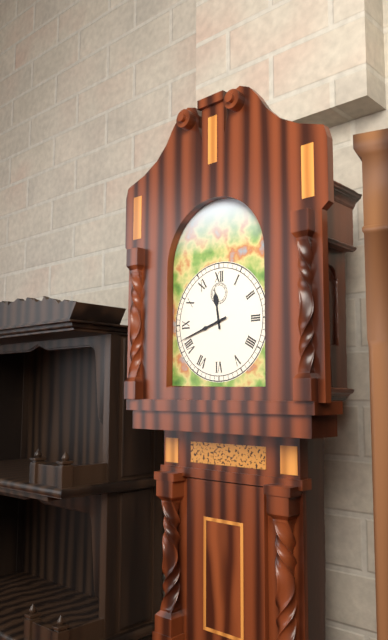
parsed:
**11:42**
